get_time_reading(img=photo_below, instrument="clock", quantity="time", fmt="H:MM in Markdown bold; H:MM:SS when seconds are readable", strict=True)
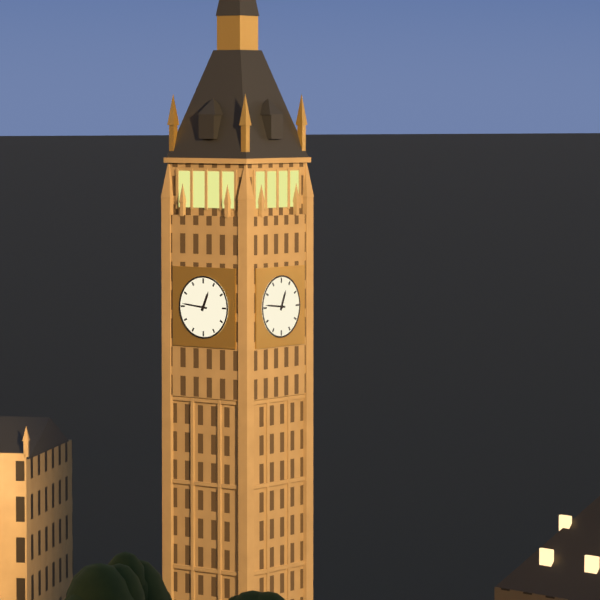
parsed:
**12:46**
